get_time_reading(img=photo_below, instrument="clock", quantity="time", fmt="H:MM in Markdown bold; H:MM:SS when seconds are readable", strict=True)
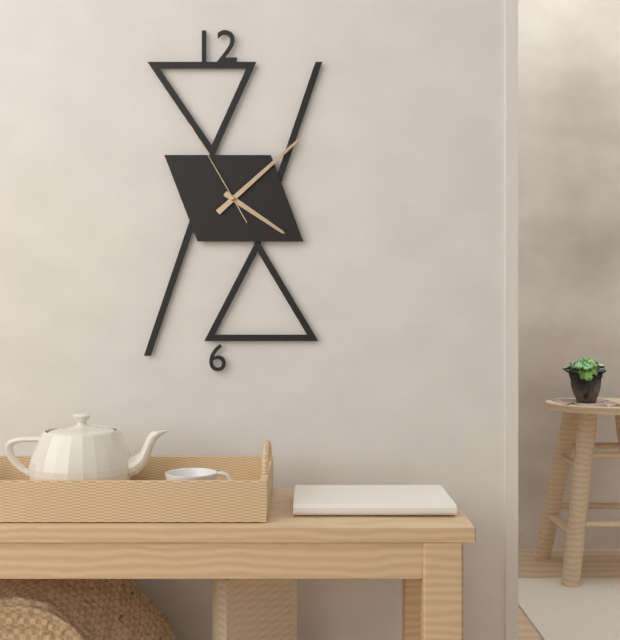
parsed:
**4:08:55**
